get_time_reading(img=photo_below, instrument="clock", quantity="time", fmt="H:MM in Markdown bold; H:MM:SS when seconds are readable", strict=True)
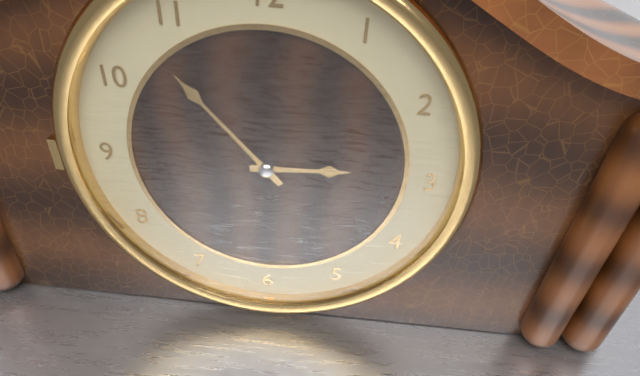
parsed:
**2:53**
